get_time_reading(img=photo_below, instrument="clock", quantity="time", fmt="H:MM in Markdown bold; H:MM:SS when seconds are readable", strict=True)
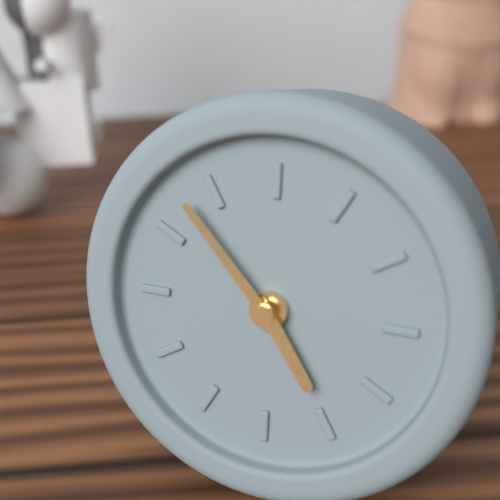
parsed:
**4:53**
